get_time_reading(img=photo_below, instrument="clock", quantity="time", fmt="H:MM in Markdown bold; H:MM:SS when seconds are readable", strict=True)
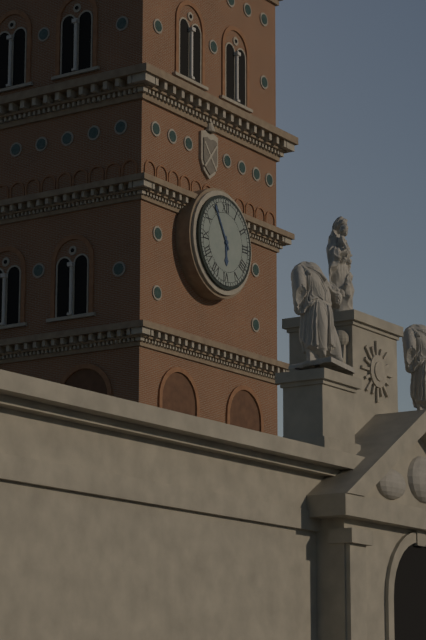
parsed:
**5:55**
